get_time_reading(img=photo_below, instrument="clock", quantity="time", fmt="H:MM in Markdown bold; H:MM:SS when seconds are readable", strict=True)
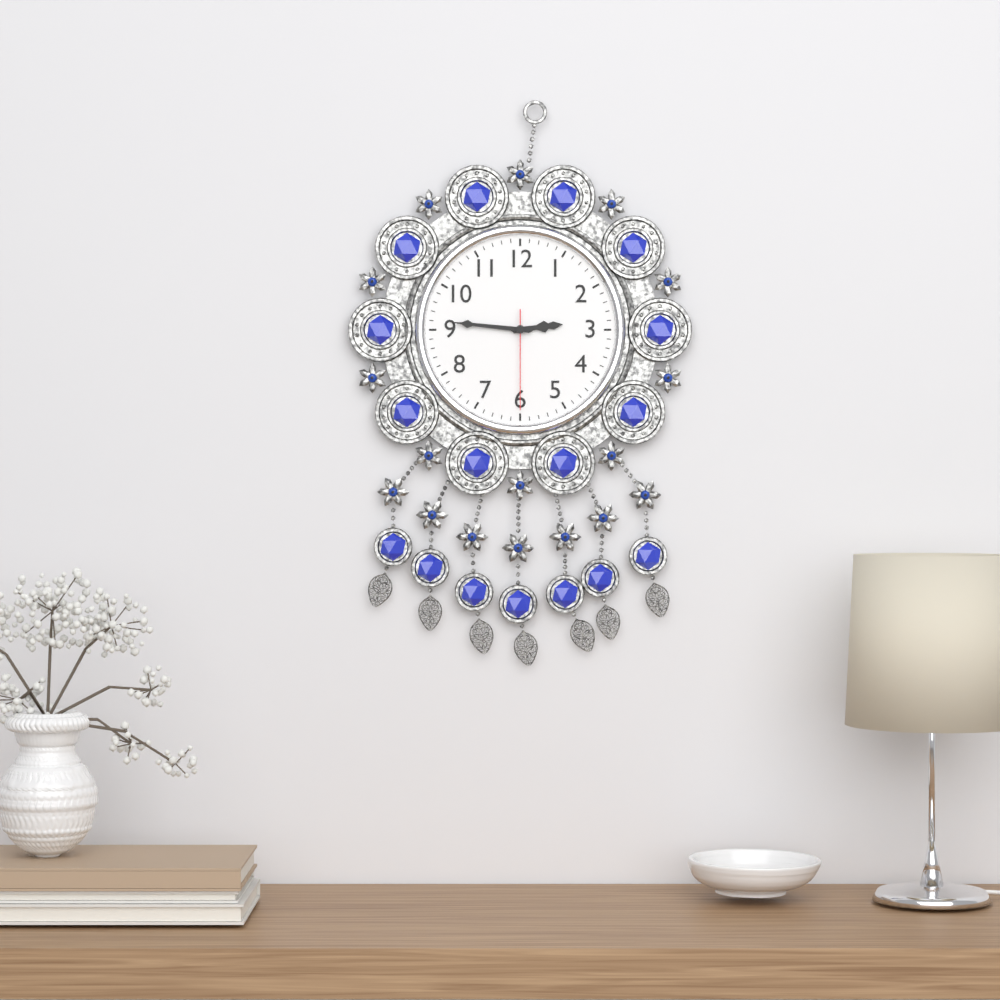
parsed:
**2:46:30**
